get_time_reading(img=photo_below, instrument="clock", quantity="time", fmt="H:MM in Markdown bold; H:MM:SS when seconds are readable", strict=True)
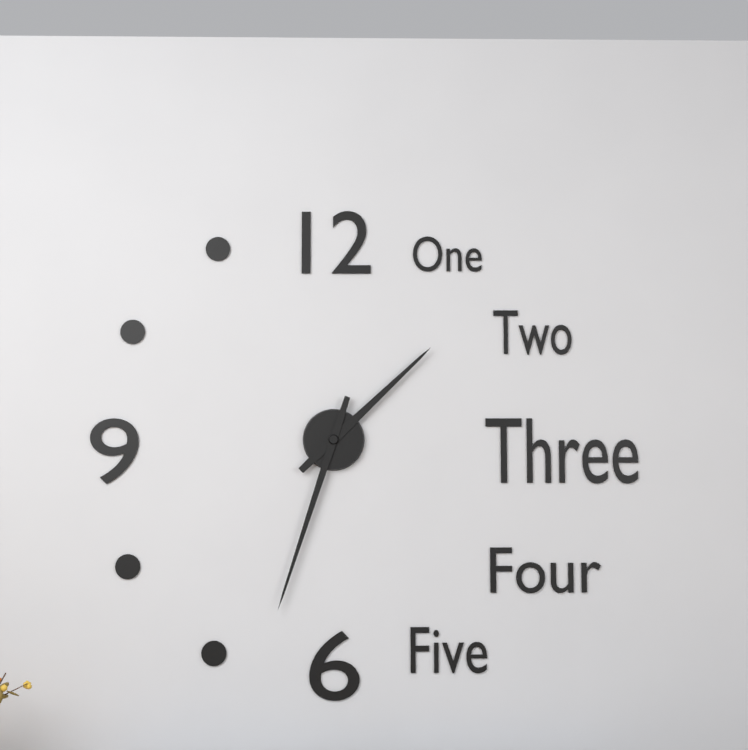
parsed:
**1:33**
